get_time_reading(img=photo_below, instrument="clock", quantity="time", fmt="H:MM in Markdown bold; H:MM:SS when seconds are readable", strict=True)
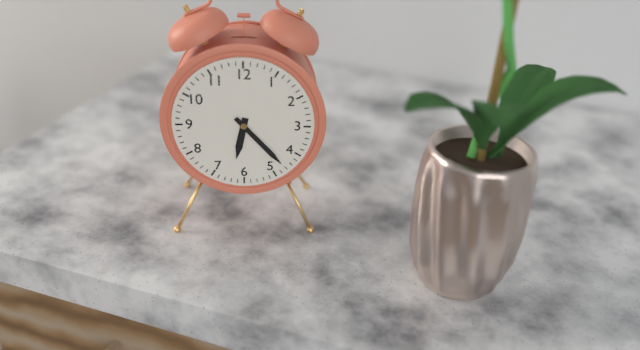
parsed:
**6:23**
